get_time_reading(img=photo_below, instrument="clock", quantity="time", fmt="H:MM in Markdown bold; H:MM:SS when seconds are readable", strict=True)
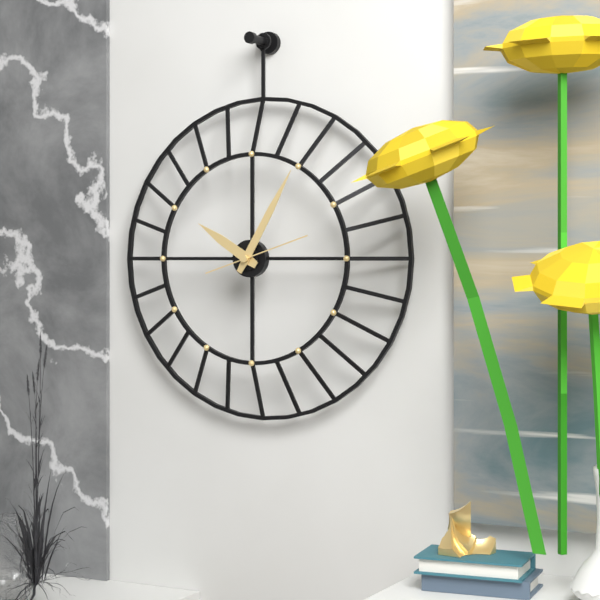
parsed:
**10:05:12**
